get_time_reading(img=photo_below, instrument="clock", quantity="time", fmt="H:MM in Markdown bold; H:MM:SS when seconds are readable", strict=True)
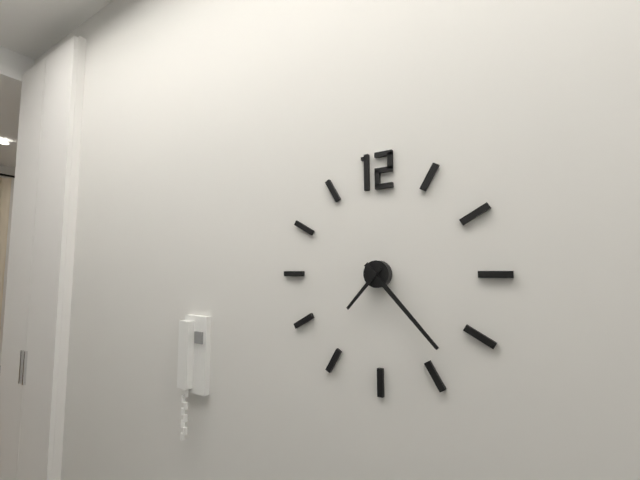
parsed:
**7:23**
